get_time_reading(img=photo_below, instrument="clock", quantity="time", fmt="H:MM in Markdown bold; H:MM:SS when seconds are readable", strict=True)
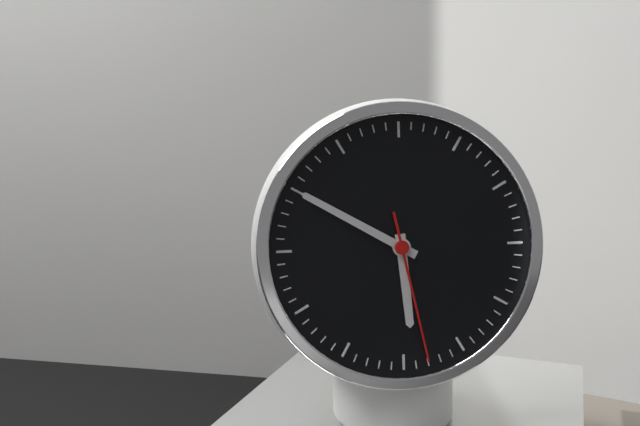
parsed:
**5:50:28**
